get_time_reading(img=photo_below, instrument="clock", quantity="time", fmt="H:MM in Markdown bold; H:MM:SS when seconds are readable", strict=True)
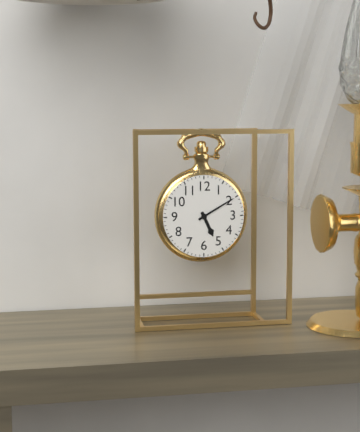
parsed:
**5:10**
